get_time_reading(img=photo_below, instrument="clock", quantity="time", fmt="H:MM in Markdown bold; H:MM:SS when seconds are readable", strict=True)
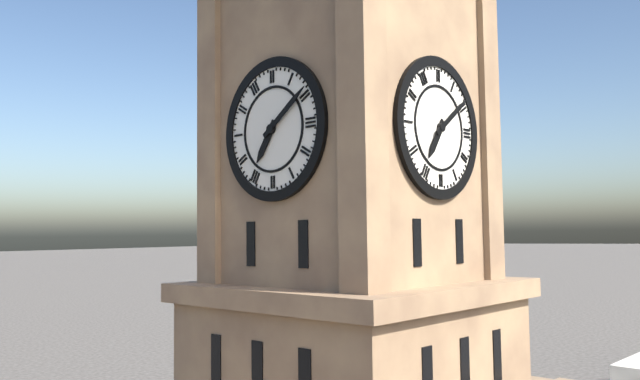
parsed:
**7:09**
